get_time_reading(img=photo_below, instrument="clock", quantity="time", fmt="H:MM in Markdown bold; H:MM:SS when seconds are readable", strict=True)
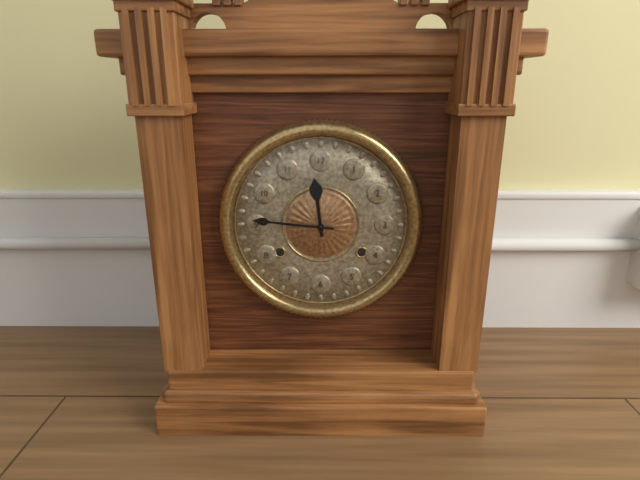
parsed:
**11:46**
